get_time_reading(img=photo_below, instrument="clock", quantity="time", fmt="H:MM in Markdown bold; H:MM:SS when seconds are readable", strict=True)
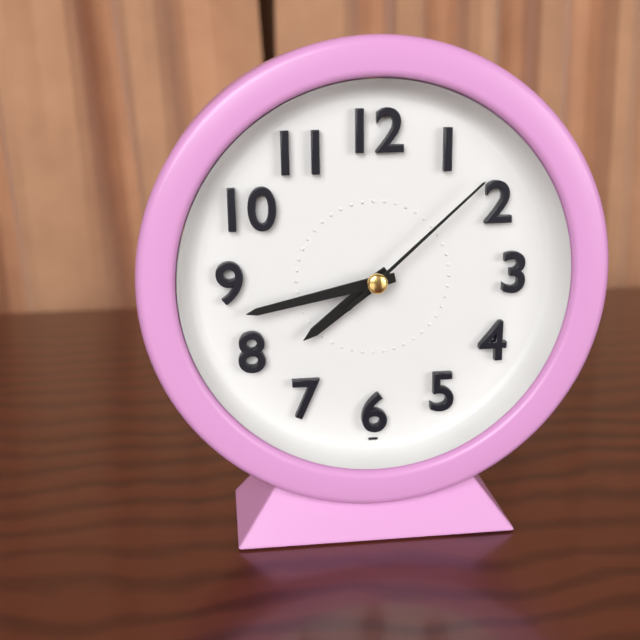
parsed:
**7:43:08**
